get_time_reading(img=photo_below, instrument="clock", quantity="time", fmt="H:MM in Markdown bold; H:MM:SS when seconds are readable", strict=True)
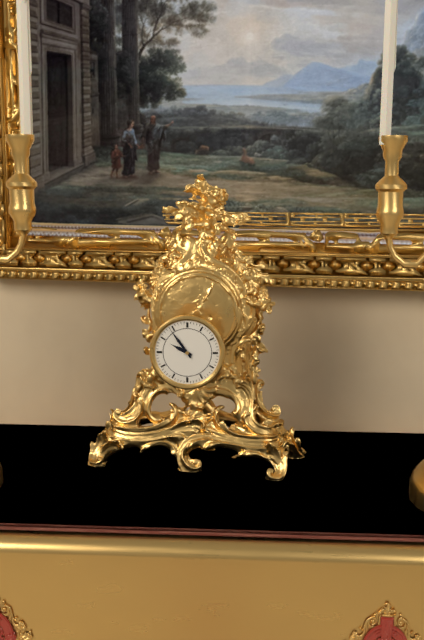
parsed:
**9:54**
